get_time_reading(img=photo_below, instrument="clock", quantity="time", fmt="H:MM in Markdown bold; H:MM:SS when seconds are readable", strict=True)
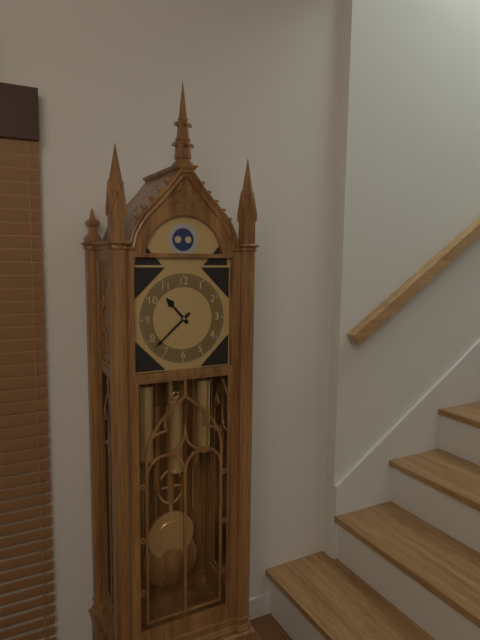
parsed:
**10:38**
